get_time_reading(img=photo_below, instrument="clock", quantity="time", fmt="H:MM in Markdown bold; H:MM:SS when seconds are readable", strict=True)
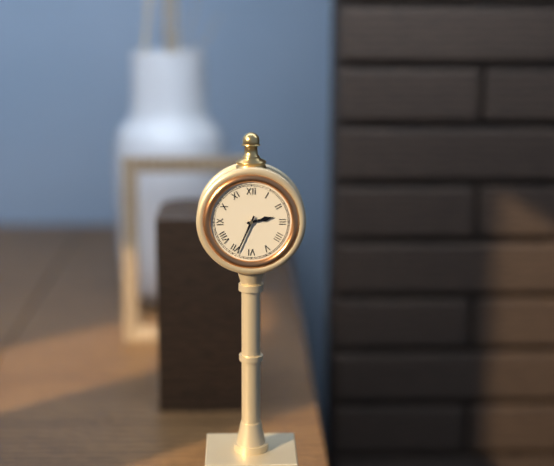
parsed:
**2:34**
